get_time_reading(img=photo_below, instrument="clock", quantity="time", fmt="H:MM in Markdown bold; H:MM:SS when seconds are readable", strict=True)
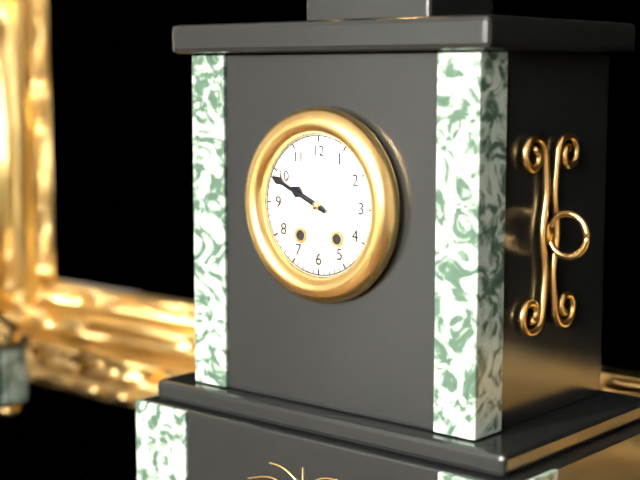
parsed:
**9:49**
